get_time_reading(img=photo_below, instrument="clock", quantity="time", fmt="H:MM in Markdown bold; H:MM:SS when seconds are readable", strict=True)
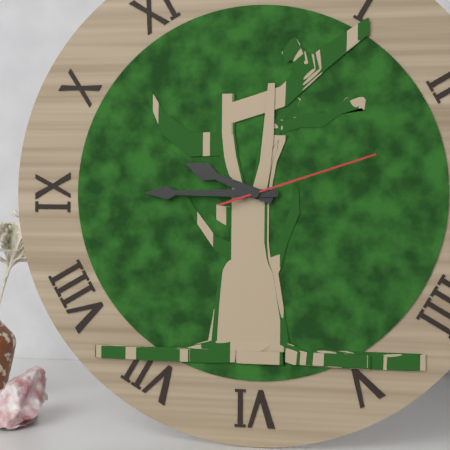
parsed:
**9:45:12**
